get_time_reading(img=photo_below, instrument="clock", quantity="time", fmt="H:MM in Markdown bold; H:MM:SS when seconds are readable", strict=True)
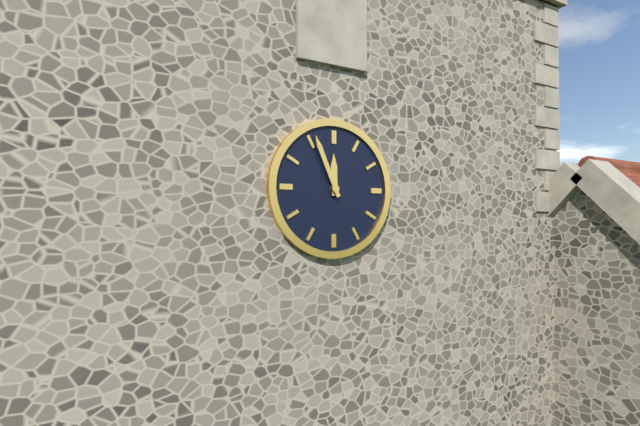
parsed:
**11:56**
